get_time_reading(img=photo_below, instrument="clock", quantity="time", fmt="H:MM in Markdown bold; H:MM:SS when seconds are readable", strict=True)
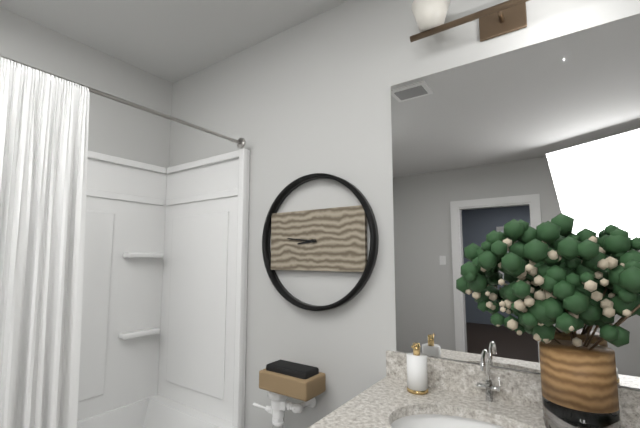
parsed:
**8:46**
